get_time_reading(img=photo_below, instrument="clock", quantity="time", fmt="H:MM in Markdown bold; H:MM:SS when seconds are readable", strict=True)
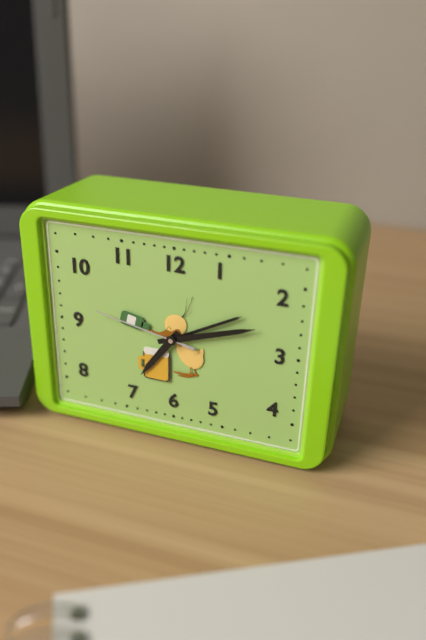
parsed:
**7:12:47**
